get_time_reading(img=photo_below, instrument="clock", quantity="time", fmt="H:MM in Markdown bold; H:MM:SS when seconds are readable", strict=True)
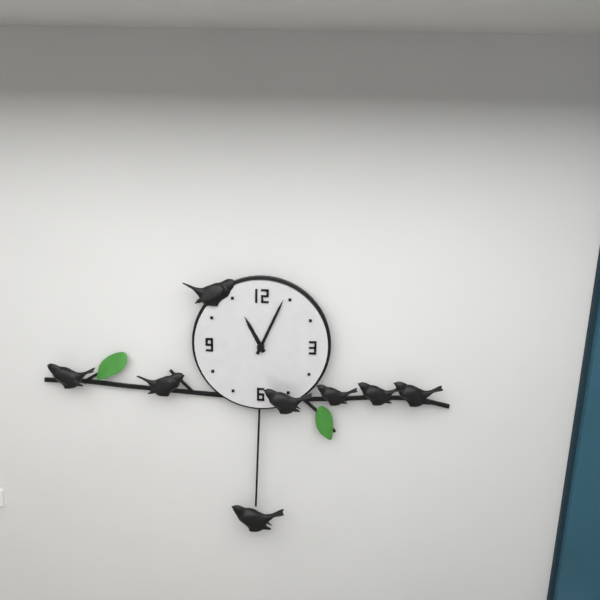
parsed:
**11:04**
